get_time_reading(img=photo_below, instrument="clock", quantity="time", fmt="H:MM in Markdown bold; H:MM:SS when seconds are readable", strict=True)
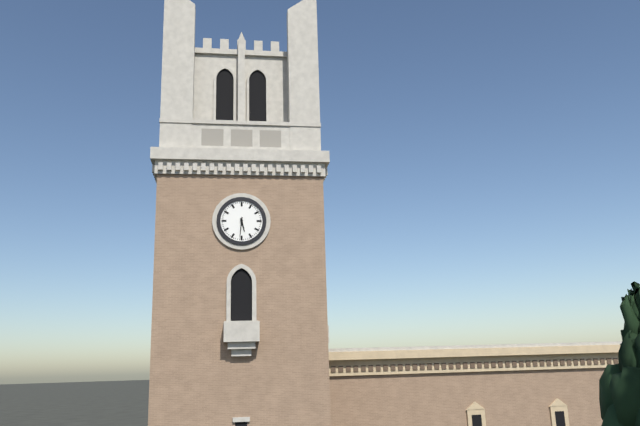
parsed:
**5:31**
